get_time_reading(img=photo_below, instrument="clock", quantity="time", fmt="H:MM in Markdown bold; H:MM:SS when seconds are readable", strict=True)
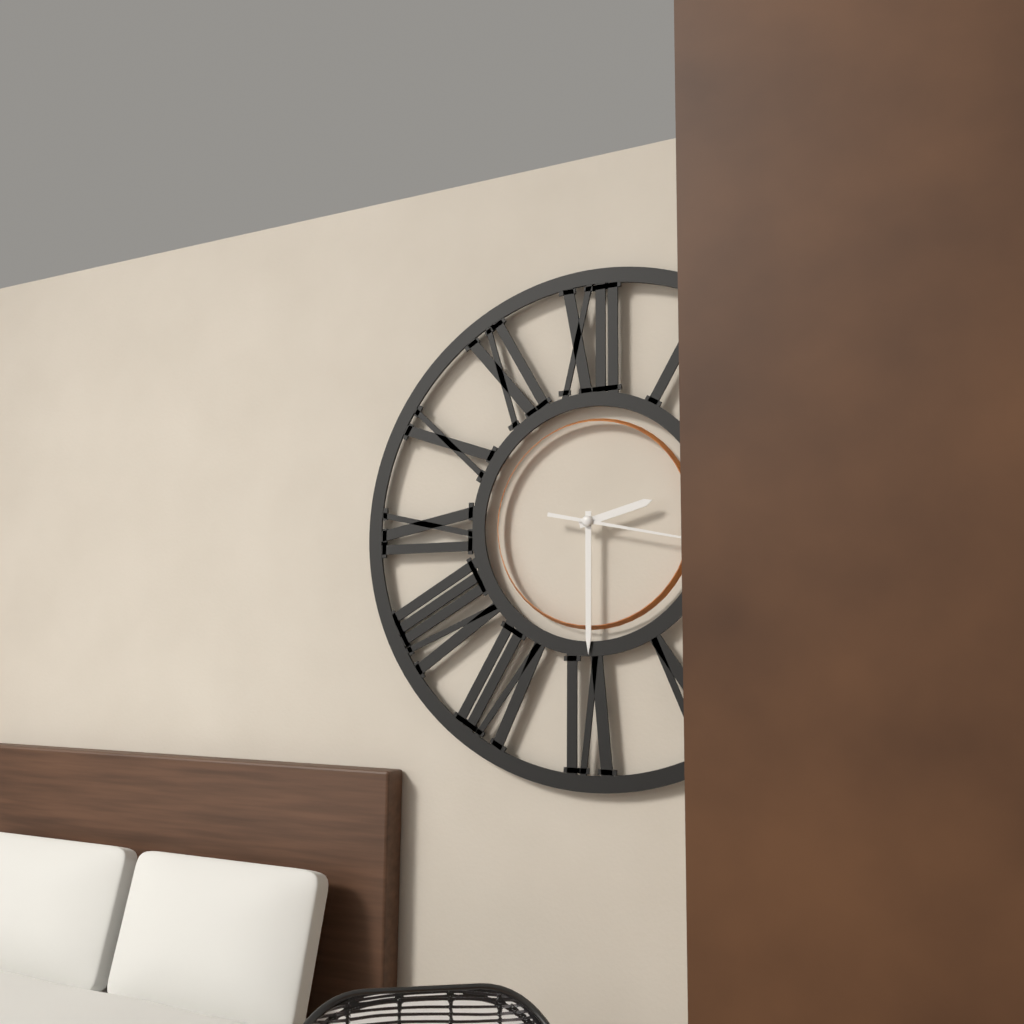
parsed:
**2:30:17**
